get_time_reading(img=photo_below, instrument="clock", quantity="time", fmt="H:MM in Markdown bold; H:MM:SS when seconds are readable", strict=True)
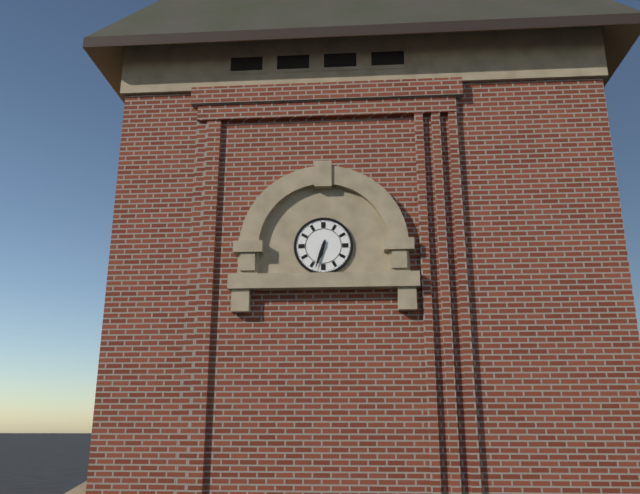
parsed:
**6:33**
